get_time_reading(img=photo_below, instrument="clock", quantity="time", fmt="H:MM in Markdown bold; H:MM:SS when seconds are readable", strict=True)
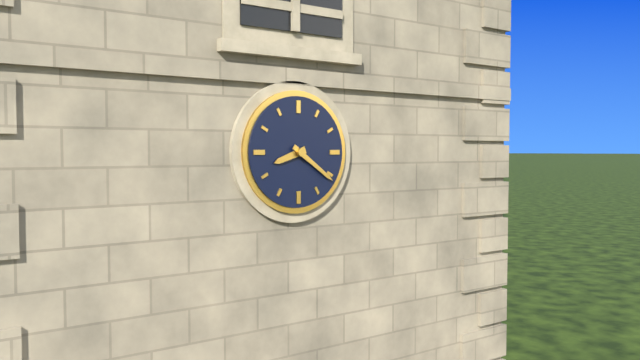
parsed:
**8:21**
